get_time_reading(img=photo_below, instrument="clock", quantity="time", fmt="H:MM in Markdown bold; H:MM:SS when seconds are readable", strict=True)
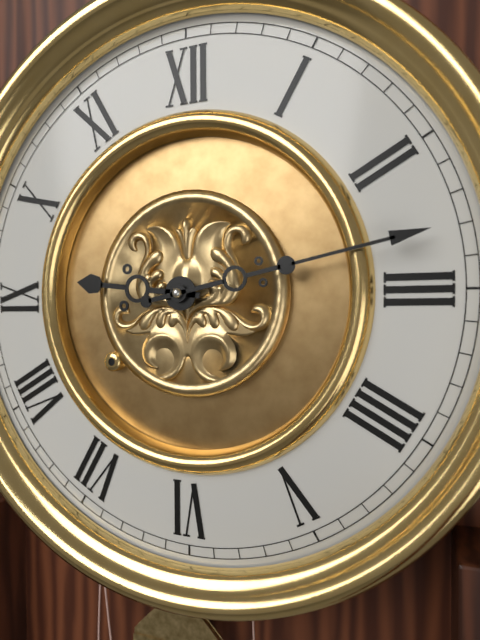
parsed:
**9:13**
